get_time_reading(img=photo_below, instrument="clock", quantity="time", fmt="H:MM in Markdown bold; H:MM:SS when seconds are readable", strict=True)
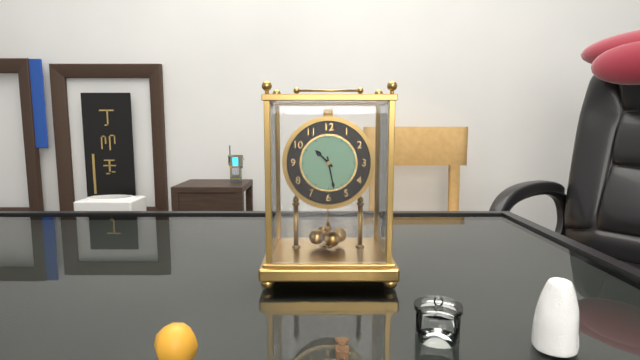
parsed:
**10:28**
